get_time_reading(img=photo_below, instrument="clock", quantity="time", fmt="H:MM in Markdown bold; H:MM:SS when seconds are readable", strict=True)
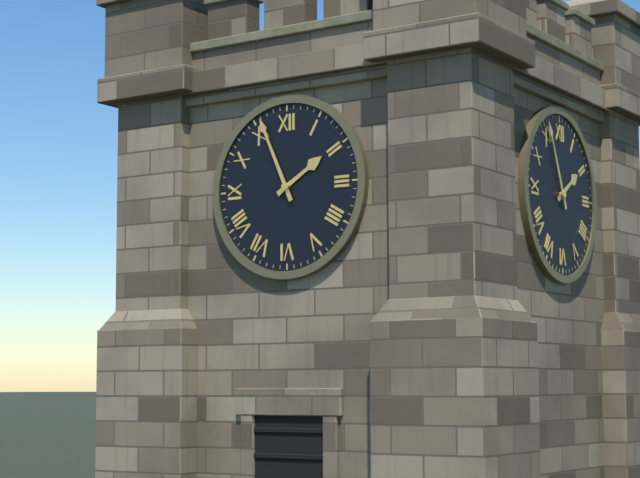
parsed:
**1:56**
